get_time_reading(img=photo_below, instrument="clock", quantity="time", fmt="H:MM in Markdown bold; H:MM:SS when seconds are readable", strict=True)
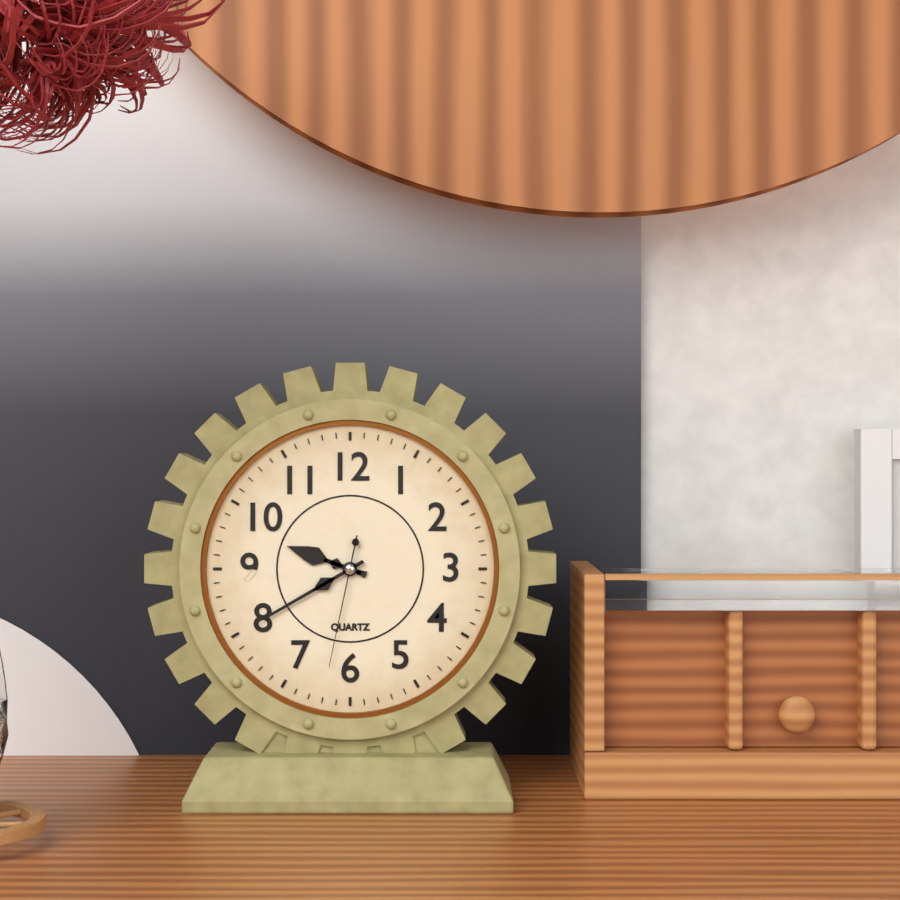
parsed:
**9:40:32**
